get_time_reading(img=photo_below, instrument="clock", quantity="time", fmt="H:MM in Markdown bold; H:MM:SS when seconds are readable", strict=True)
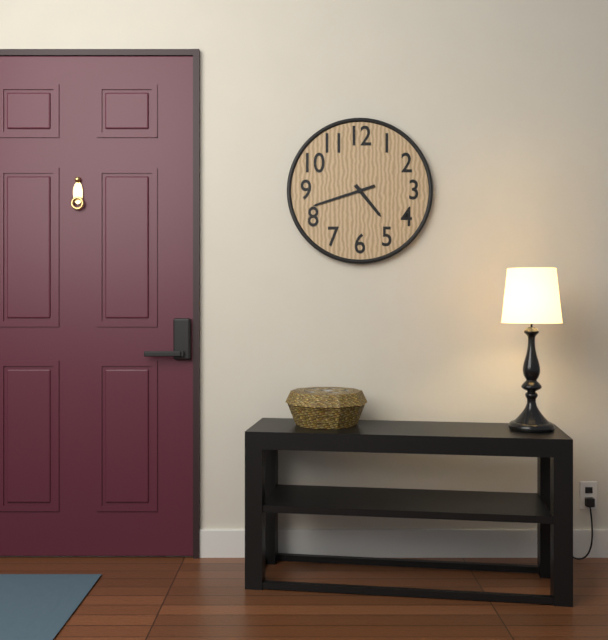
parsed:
**4:42**
